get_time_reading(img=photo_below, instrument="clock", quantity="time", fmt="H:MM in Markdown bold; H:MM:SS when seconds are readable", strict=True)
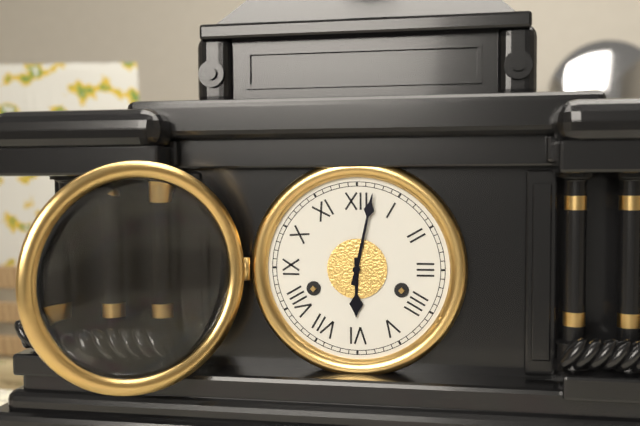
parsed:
**6:02**
